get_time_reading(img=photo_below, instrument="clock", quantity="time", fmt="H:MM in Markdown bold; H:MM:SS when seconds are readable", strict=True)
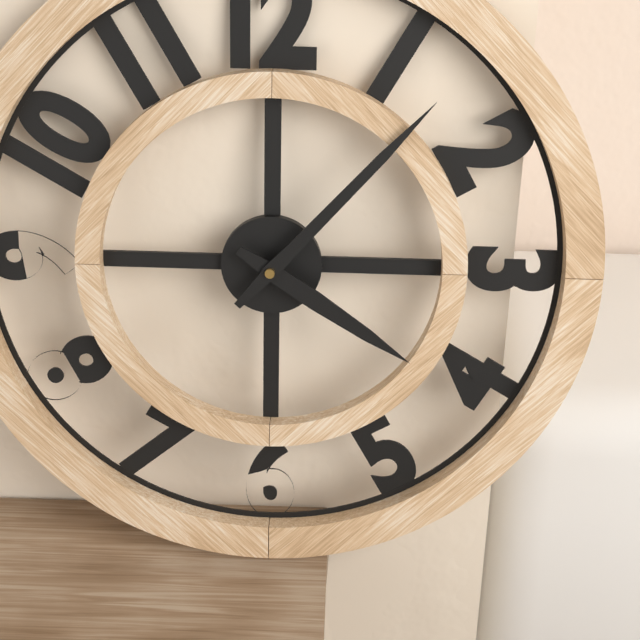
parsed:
**4:07**
